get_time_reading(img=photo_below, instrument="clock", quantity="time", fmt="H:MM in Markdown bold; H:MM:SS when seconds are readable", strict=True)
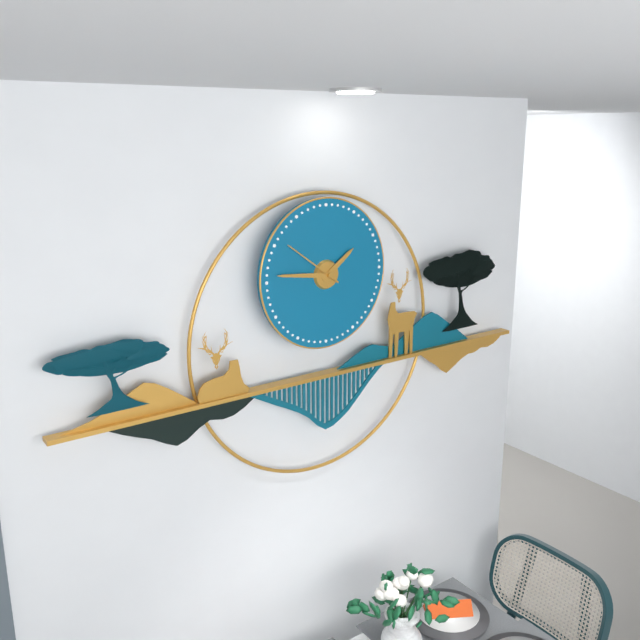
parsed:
**1:46:51**
